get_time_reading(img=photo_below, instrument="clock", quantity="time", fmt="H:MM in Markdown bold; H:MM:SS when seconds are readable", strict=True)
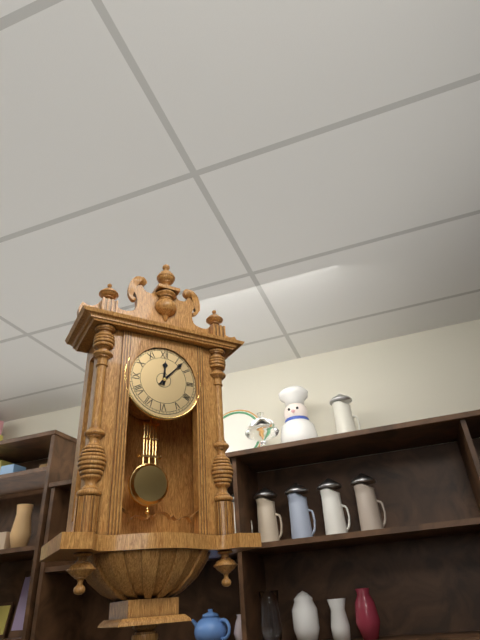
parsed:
**12:07**
